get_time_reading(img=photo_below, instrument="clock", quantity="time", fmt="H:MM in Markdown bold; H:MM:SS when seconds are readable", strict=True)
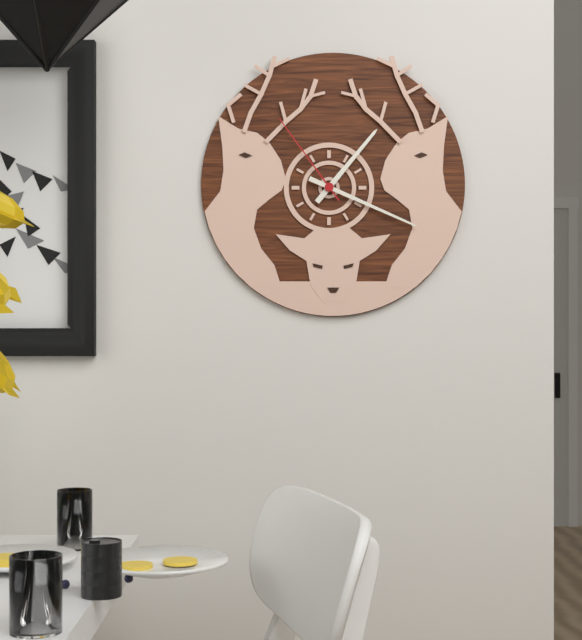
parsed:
**1:19:54**
